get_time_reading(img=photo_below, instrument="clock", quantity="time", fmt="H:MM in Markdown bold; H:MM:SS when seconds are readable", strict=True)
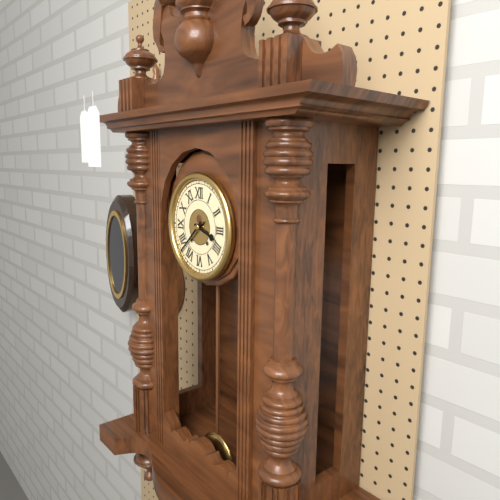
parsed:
**3:38**
